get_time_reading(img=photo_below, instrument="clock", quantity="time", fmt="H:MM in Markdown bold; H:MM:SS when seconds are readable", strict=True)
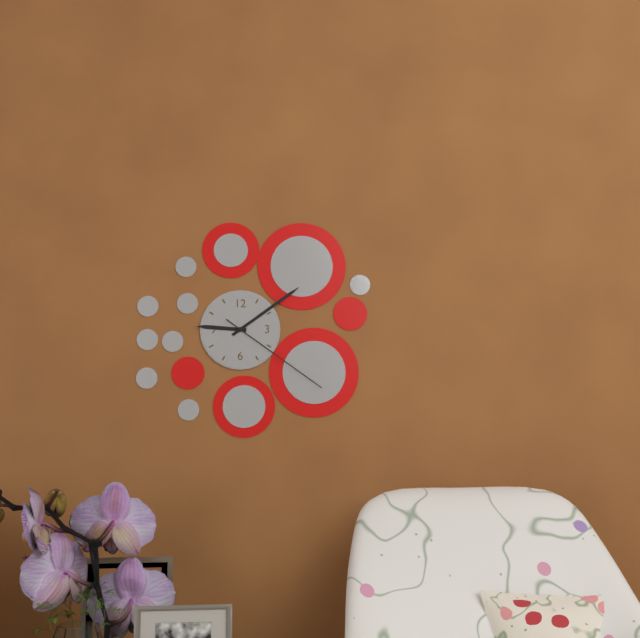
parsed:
**9:09:21**
